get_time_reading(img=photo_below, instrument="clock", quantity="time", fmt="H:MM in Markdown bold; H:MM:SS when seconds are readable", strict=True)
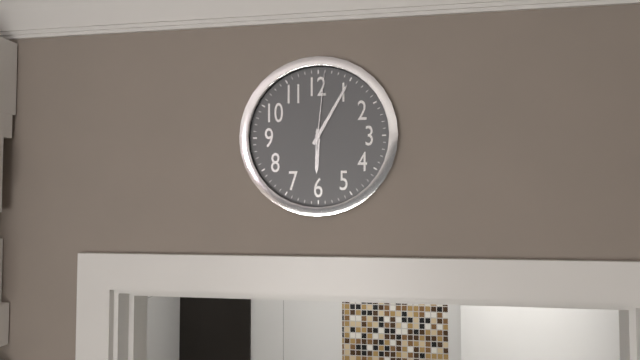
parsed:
**6:05:01**
